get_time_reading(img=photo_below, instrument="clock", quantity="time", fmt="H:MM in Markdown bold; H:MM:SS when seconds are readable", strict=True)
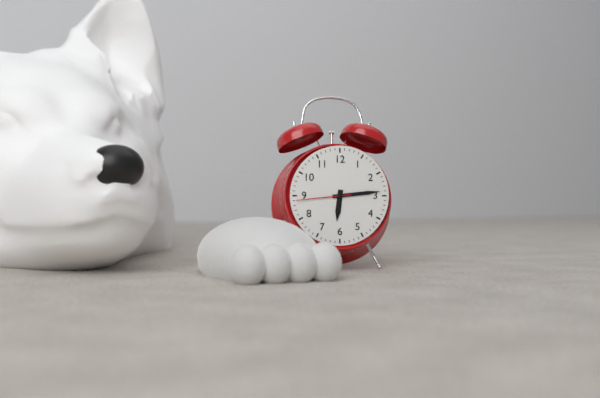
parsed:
**6:14:44**
